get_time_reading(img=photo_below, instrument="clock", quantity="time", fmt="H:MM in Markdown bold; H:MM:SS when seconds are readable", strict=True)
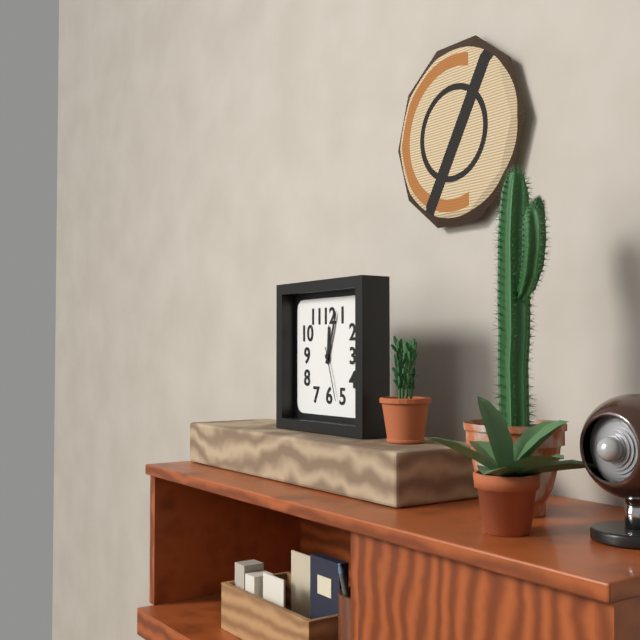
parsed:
**12:03:27**
